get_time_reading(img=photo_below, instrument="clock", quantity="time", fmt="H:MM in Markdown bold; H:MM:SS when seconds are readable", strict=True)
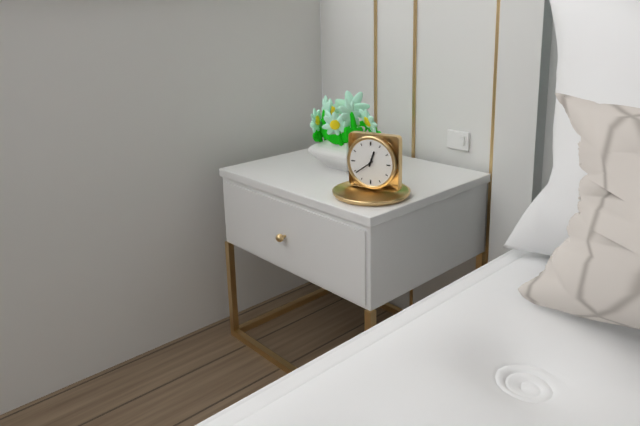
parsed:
**12:39**
